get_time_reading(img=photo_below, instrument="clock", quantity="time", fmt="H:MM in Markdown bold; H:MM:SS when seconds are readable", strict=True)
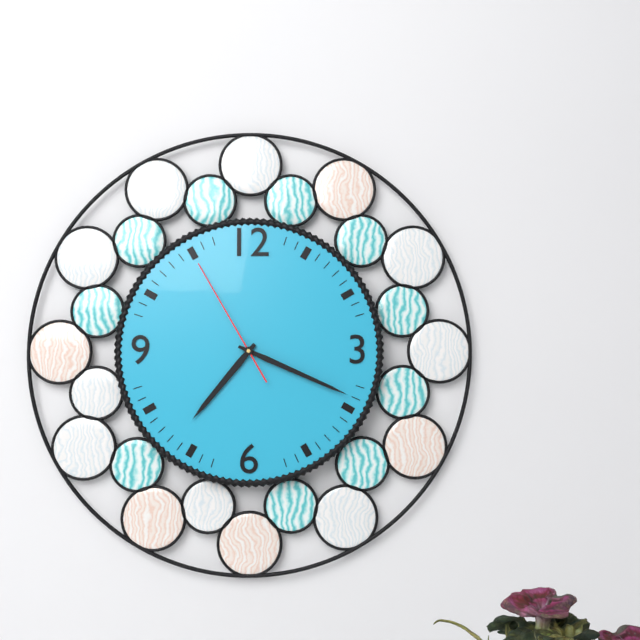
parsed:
**7:19:55**
